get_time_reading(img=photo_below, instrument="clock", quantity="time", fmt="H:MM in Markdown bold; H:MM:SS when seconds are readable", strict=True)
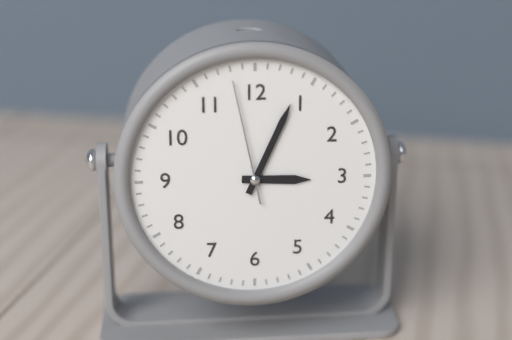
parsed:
**3:04:58**
